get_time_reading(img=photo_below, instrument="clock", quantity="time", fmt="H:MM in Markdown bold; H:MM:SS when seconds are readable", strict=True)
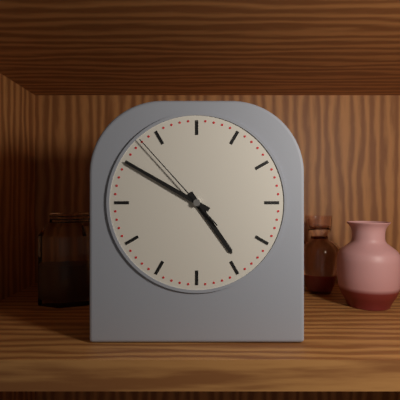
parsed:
**4:50:53**
